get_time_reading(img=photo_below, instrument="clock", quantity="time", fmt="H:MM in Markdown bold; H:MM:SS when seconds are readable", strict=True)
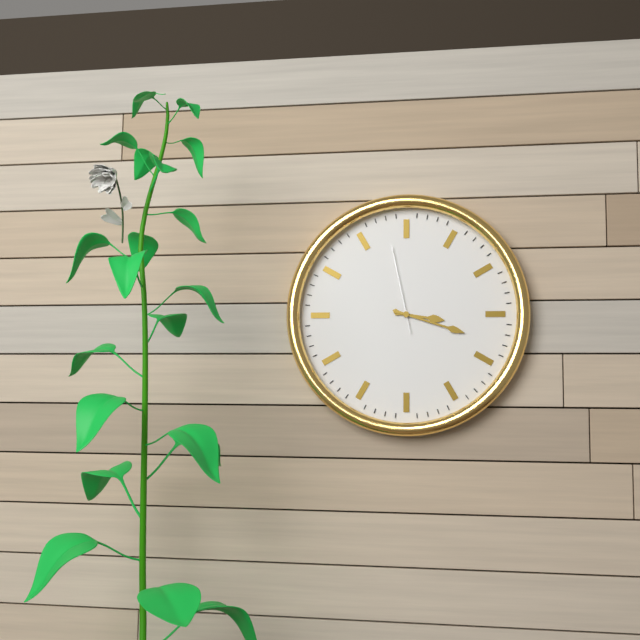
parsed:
**3:18:58**
